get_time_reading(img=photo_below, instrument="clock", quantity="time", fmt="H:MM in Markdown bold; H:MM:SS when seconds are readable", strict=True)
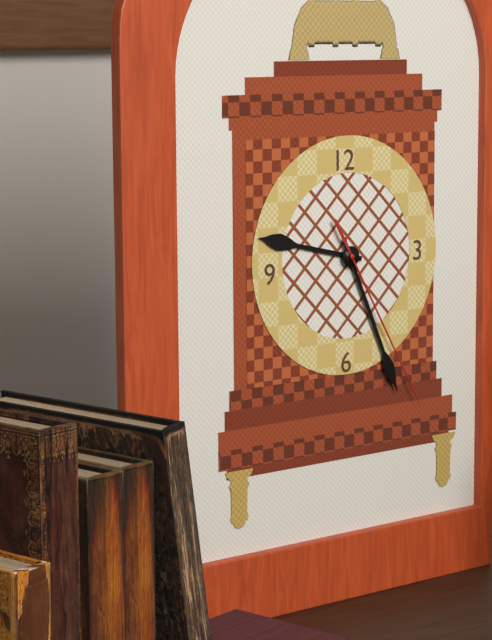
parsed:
**9:26:25**
